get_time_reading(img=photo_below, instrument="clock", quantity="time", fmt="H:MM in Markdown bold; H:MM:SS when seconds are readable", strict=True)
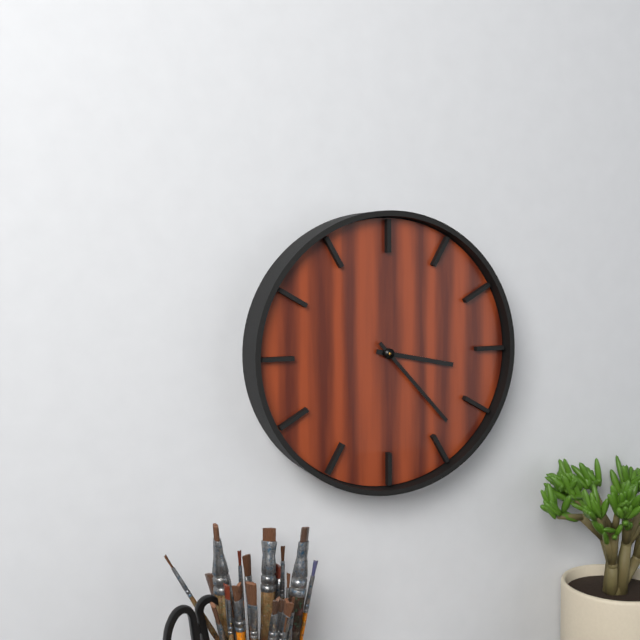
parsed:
**3:23**
